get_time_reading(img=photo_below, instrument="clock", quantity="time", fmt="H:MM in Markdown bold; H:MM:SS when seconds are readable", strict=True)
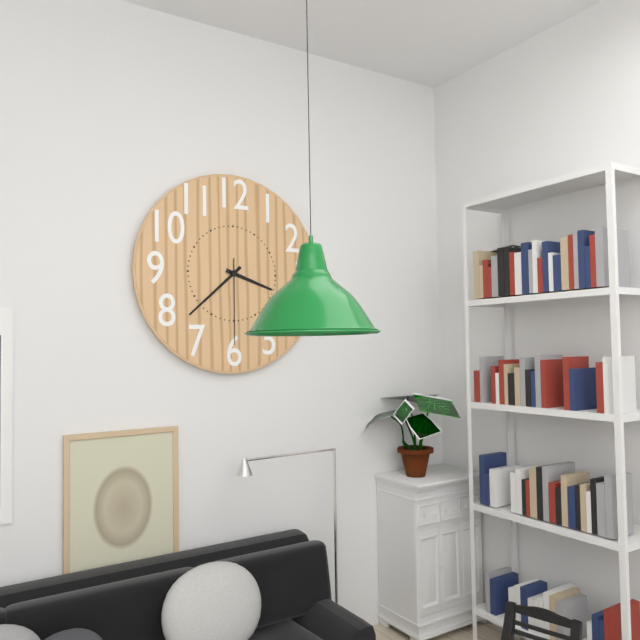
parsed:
**3:38:30**
